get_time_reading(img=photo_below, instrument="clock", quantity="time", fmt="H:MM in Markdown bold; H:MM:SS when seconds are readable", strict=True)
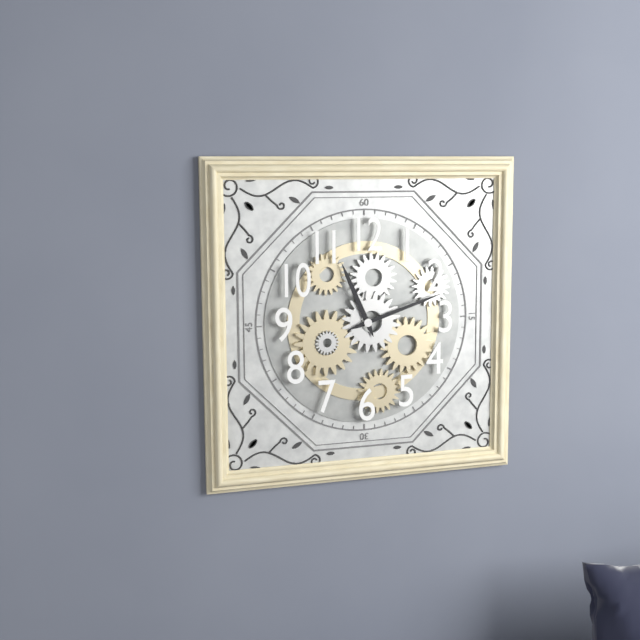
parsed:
**11:12**
